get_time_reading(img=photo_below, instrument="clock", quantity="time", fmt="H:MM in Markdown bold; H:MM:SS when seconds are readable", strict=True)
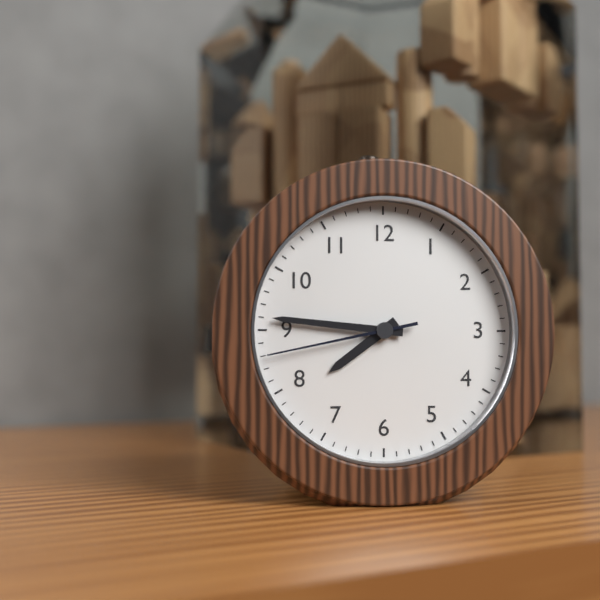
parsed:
**7:46:43**
